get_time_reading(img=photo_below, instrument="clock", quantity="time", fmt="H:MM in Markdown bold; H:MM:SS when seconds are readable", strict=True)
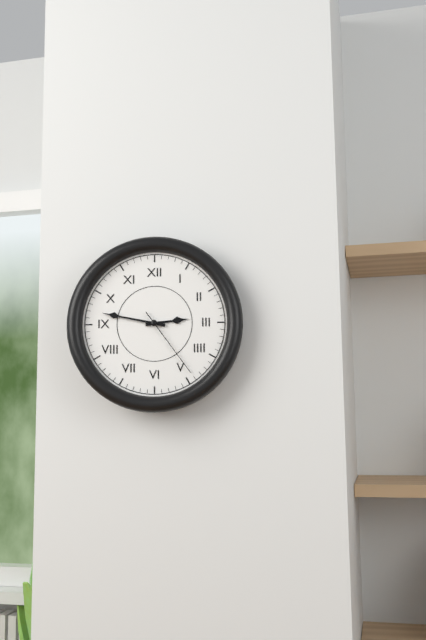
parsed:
**2:47:24**
